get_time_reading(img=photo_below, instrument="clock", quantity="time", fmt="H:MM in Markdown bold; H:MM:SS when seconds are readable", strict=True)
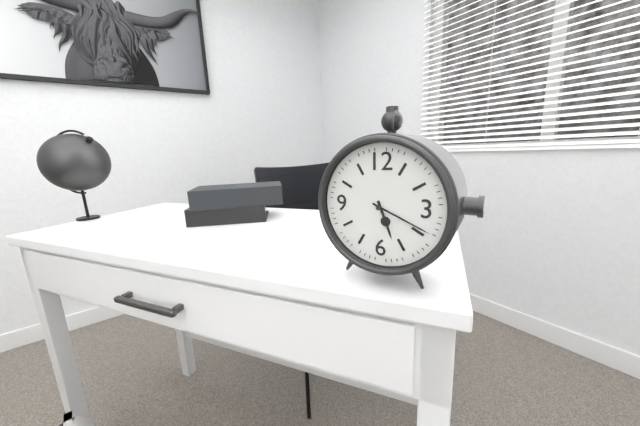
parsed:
**5:19**
